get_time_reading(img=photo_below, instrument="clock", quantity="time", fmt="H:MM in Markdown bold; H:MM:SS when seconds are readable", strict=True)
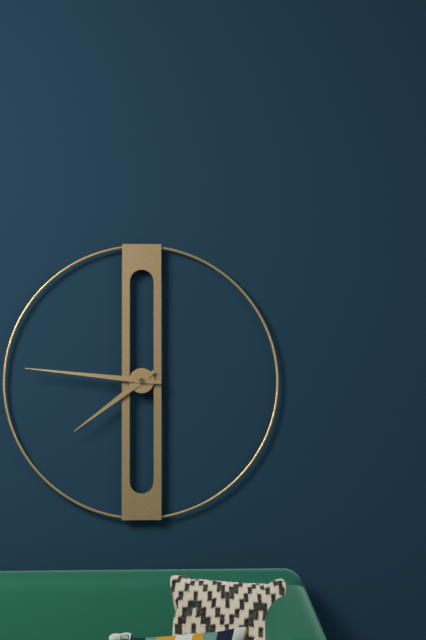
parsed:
**7:46**
